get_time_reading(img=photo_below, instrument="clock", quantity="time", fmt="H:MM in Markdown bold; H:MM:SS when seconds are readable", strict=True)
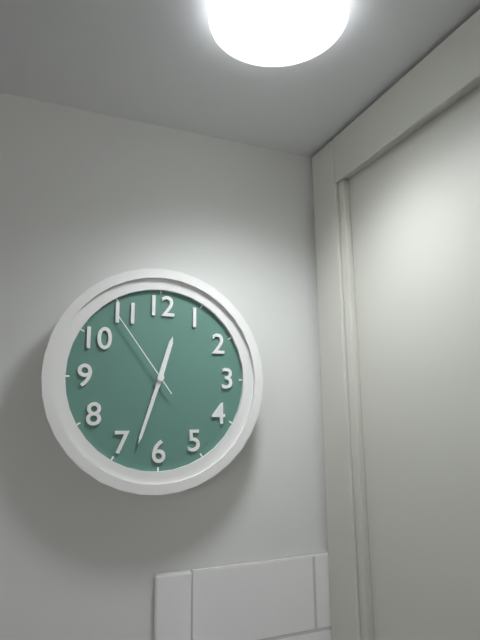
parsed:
**12:33:54**
